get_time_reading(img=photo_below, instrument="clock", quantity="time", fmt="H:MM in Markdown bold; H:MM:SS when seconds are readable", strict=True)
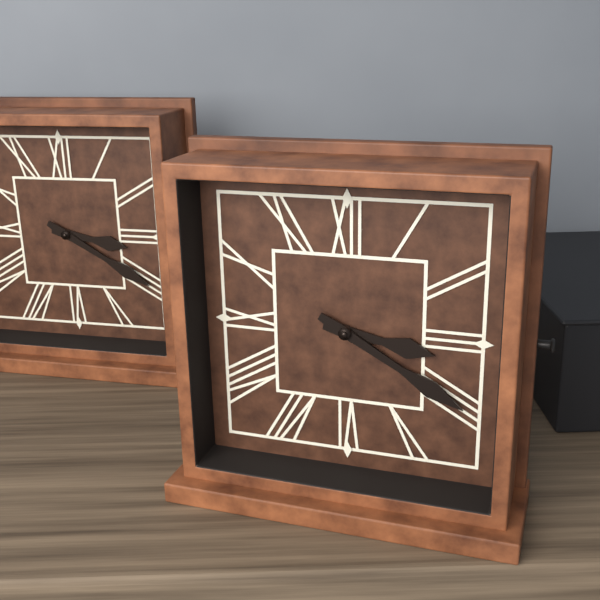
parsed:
**3:20**
